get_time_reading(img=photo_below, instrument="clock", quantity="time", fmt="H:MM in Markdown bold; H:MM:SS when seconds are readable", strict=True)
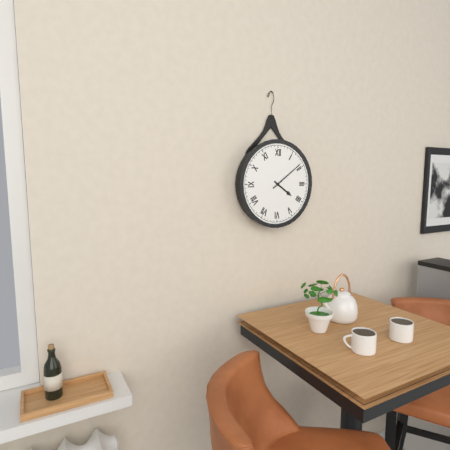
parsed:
**4:09**
